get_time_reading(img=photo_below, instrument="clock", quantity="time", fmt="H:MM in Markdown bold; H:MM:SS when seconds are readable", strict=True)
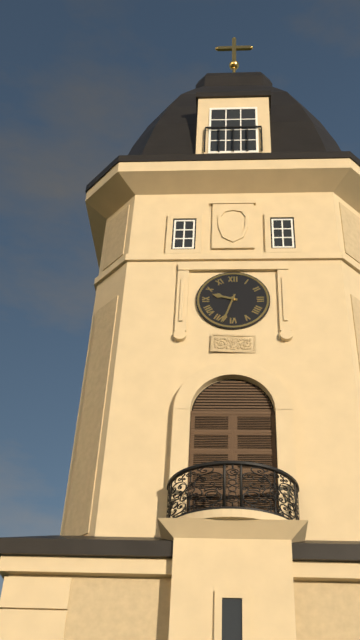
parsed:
**9:33**
